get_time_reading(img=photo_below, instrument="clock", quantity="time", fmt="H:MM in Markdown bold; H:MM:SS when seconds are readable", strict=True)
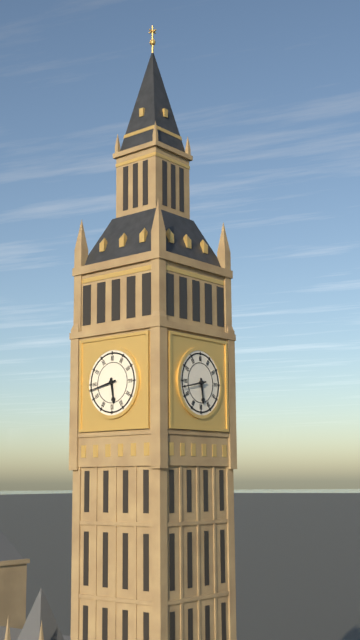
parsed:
**5:43**
